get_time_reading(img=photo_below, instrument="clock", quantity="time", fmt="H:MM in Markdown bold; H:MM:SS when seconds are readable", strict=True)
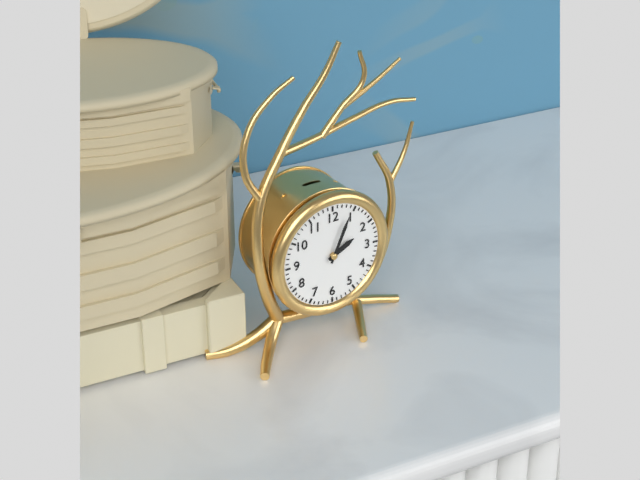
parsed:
**2:04**
